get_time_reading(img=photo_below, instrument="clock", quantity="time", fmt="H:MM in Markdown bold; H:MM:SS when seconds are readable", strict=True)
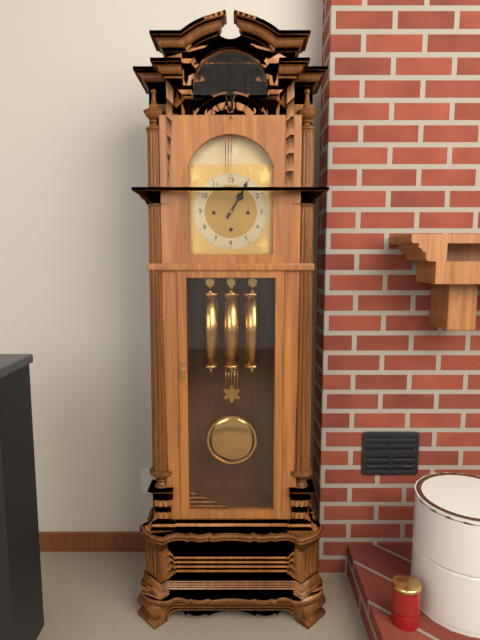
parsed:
**1:05**
